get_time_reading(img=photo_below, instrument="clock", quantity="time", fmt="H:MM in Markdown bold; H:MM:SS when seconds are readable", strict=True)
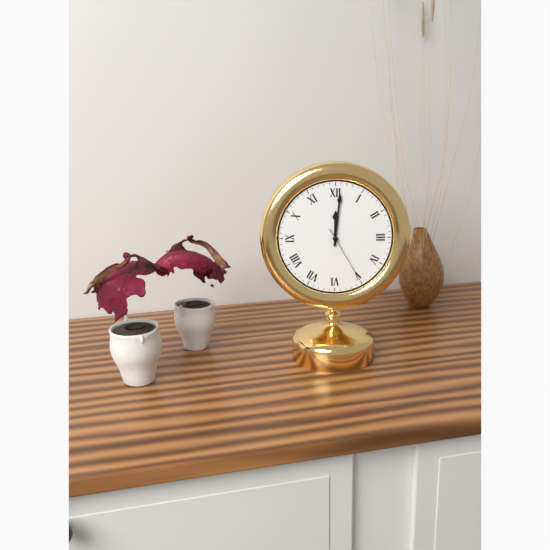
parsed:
**12:01:25**
